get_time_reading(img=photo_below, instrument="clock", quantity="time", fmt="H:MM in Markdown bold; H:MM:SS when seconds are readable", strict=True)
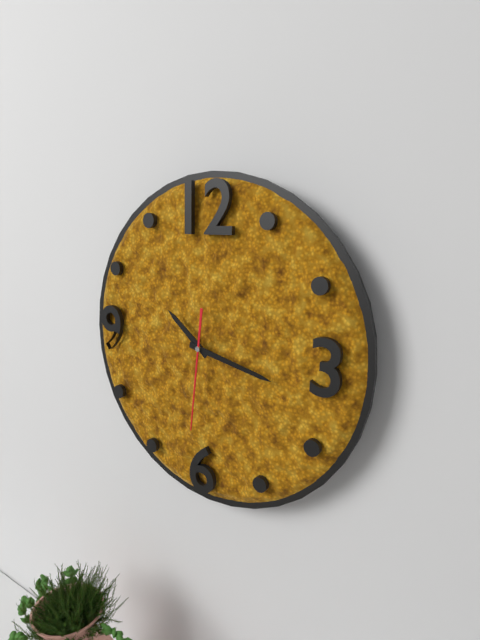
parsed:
**10:17:31**
